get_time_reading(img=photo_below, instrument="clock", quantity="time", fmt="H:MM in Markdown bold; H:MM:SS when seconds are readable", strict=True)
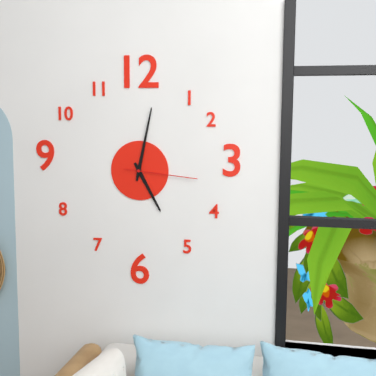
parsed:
**5:02:16**
